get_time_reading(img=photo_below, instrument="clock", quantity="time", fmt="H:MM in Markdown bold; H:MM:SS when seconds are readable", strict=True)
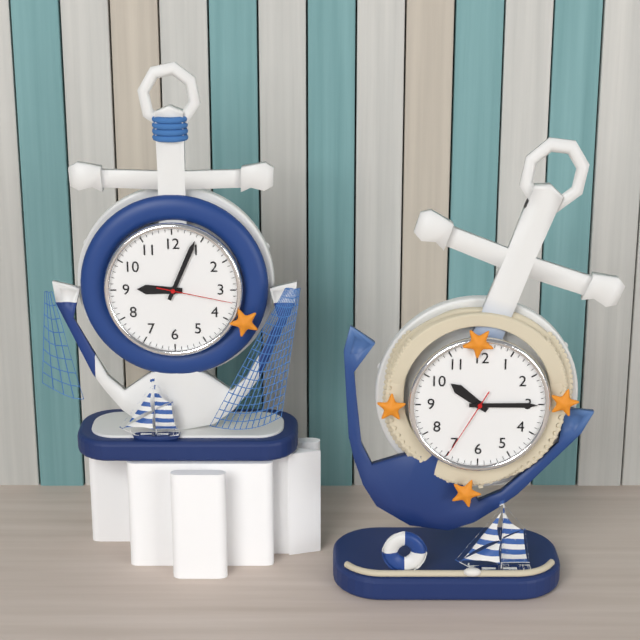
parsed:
**9:04:17**
